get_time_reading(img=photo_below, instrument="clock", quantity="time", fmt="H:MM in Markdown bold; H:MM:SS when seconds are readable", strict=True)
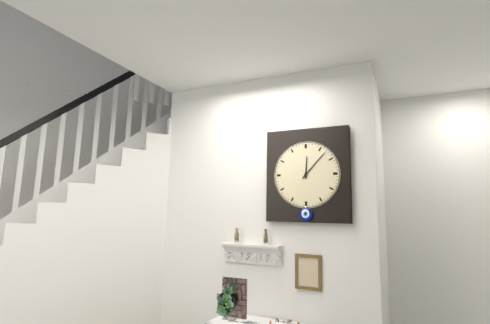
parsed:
**12:07**
